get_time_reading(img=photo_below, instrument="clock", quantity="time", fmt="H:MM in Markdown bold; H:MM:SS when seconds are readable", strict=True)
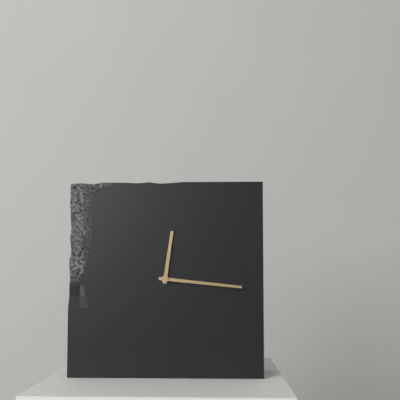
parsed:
**12:16**
